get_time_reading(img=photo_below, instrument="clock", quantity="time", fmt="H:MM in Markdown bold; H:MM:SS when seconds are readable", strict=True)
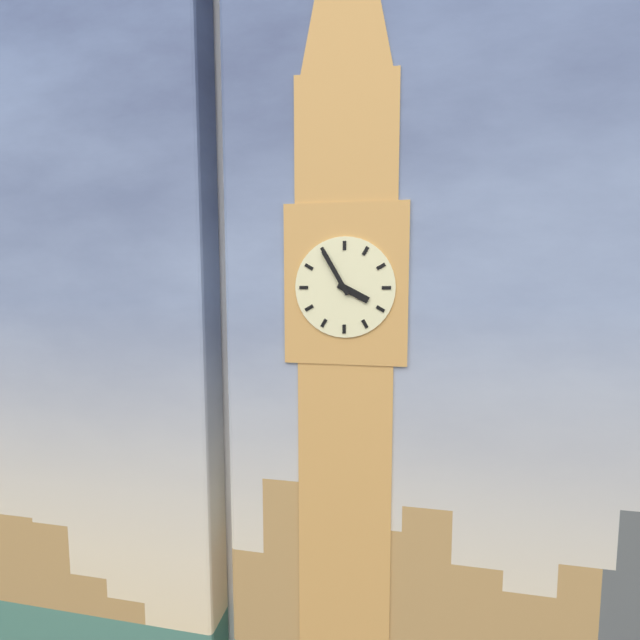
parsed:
**3:55**
